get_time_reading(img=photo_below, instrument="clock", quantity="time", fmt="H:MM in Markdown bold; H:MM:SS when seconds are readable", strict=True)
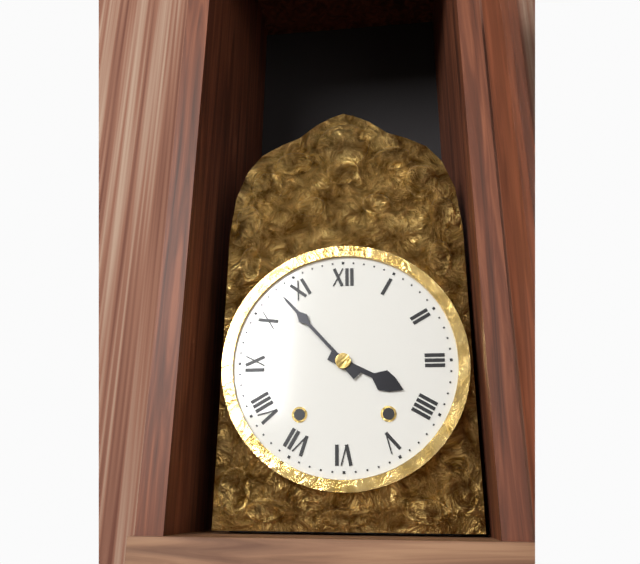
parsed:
**3:53**
